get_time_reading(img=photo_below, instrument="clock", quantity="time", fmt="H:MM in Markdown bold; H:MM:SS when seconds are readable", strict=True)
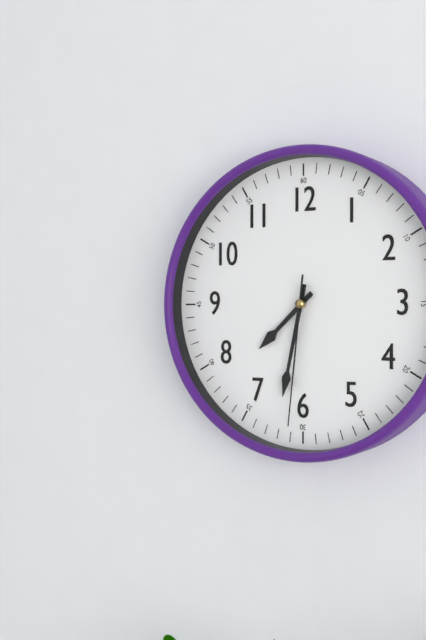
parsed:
**7:32:31**
